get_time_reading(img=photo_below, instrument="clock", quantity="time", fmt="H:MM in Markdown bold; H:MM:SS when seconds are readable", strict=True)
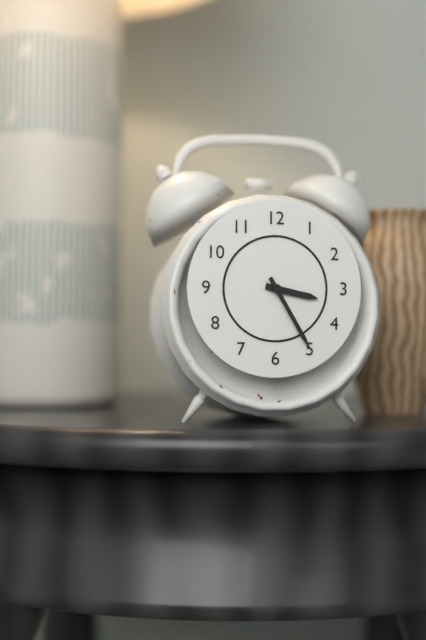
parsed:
**3:25**
